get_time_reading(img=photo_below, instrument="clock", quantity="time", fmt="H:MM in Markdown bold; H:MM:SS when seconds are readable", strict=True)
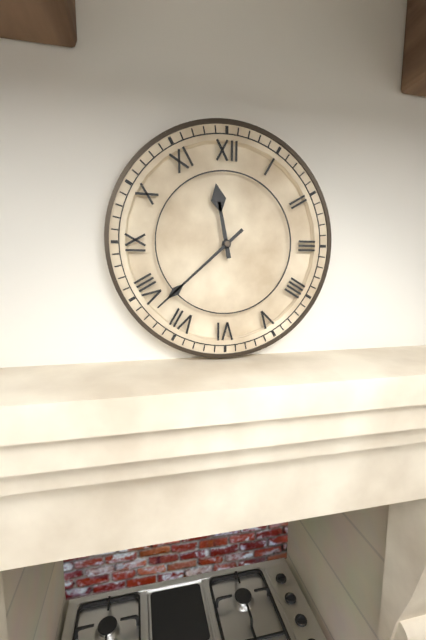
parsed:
**11:38**
